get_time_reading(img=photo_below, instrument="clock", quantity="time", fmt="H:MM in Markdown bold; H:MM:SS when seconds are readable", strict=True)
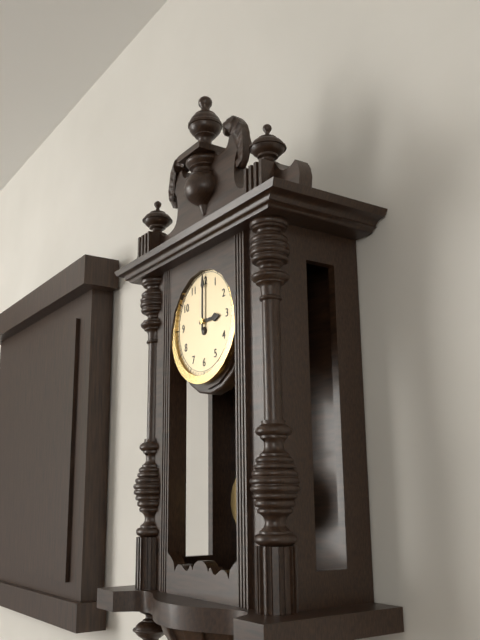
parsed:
**3:00**
